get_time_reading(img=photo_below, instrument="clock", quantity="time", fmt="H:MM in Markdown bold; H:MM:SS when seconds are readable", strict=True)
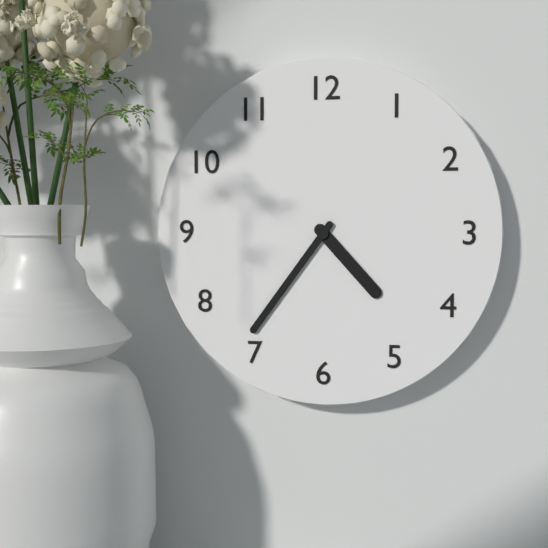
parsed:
**4:36**
